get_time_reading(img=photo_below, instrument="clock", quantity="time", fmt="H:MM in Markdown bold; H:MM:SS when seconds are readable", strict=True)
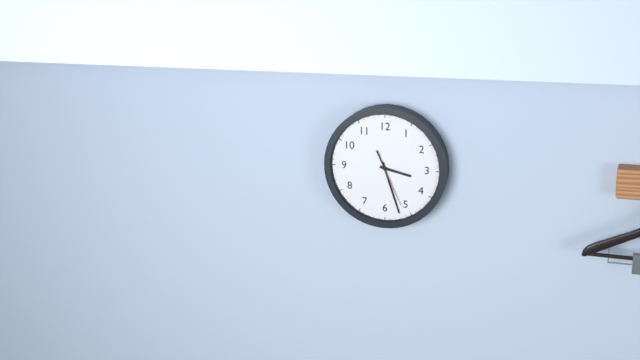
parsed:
**3:27:26**
